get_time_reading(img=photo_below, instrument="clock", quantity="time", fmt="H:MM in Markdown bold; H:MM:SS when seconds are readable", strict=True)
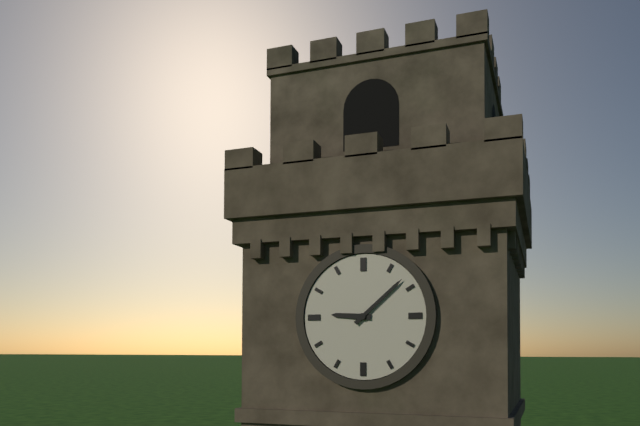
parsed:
**9:08**
